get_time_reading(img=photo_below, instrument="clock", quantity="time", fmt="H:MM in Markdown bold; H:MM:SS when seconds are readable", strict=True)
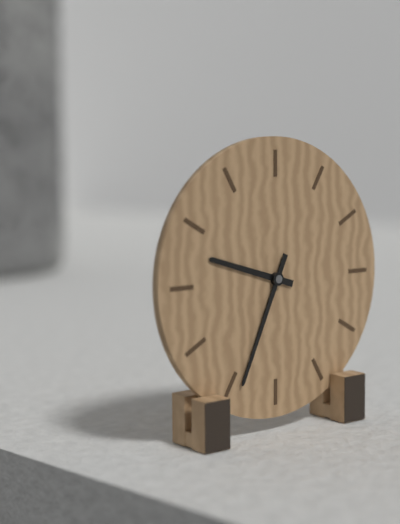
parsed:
**9:34**
